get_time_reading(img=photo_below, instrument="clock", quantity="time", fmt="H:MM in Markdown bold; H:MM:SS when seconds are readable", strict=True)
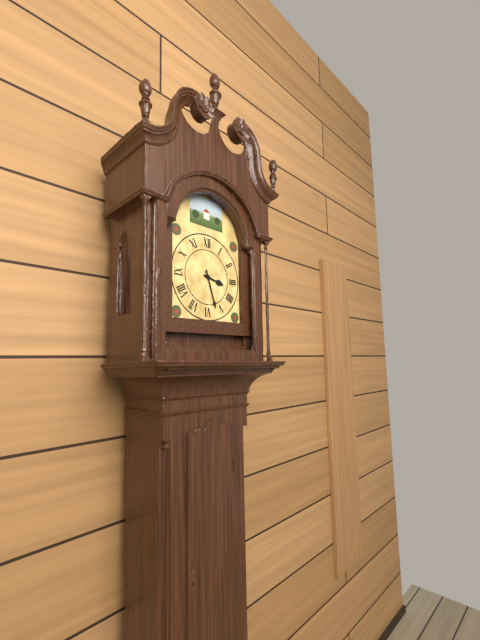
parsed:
**3:27**
